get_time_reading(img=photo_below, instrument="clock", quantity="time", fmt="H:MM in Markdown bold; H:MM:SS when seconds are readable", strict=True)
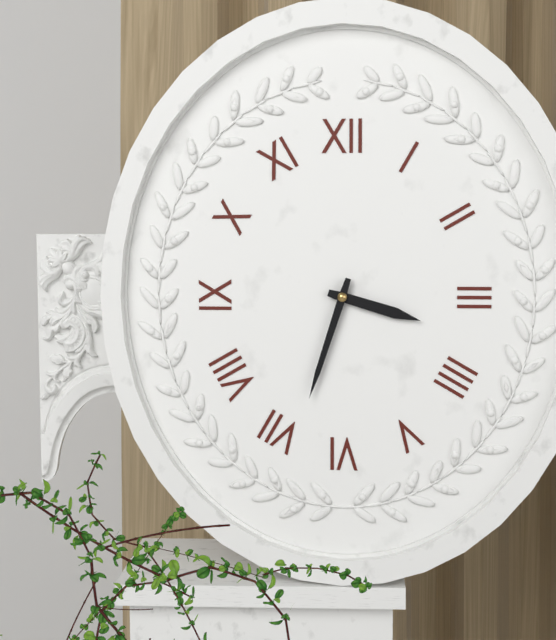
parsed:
**3:33**
